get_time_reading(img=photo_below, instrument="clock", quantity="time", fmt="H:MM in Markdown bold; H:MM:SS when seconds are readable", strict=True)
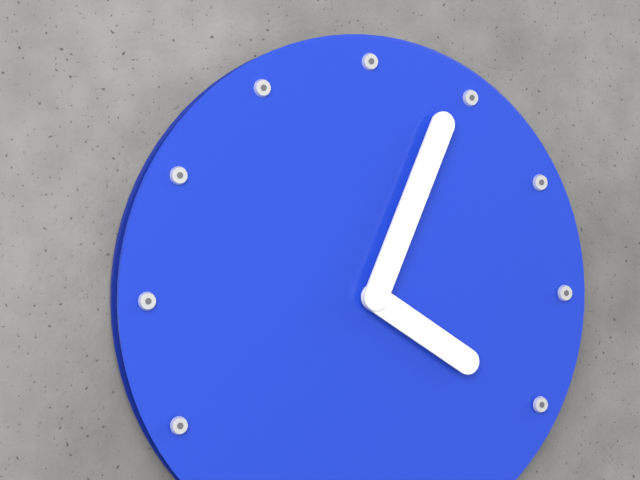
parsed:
**4:04**
